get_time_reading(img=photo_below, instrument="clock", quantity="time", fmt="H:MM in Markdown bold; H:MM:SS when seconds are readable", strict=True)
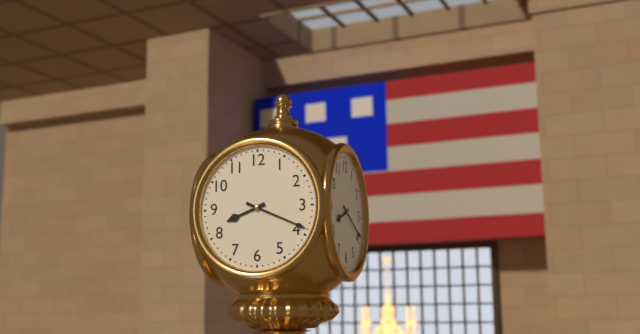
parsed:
**8:19**
